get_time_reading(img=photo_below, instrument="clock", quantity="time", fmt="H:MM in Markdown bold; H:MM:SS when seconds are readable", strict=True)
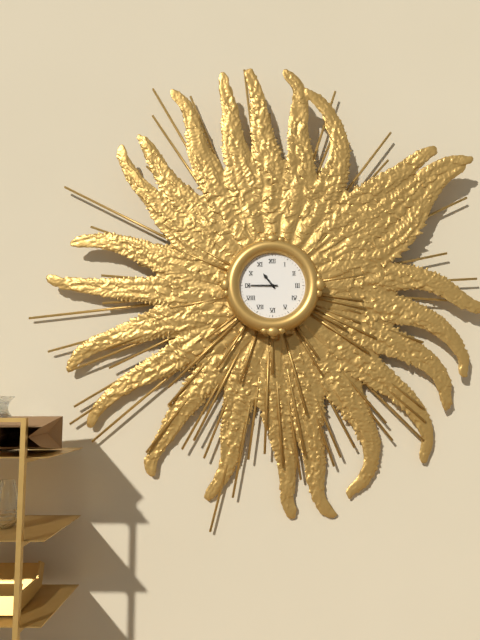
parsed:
**10:45**
